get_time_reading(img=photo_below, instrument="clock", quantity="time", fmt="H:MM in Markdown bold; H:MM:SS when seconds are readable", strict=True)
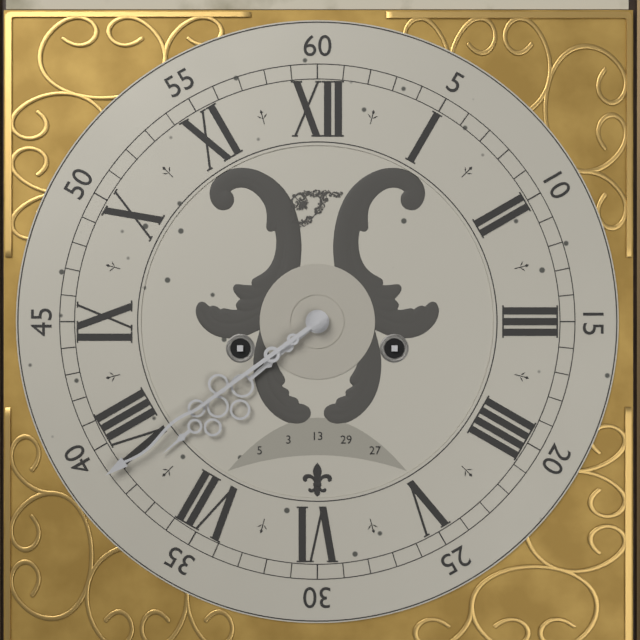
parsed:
**7:39**
